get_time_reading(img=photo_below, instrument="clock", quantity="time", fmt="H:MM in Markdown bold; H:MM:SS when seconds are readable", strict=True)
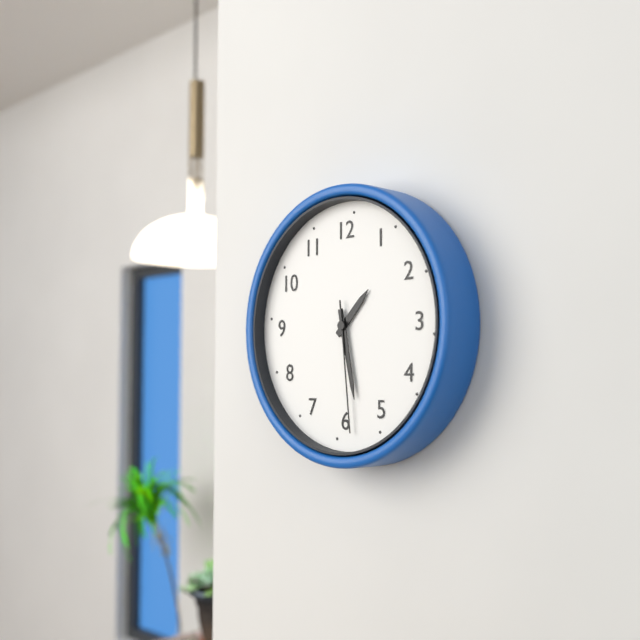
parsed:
**1:28:29**
